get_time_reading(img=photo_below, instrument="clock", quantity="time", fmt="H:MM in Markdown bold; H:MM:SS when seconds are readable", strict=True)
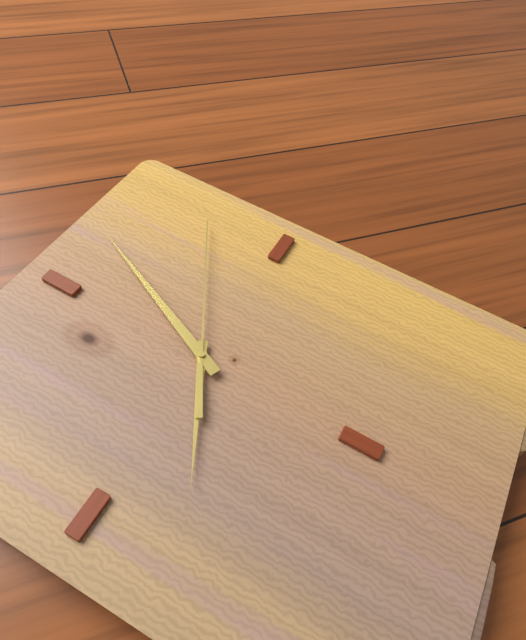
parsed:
**8:04:10**
